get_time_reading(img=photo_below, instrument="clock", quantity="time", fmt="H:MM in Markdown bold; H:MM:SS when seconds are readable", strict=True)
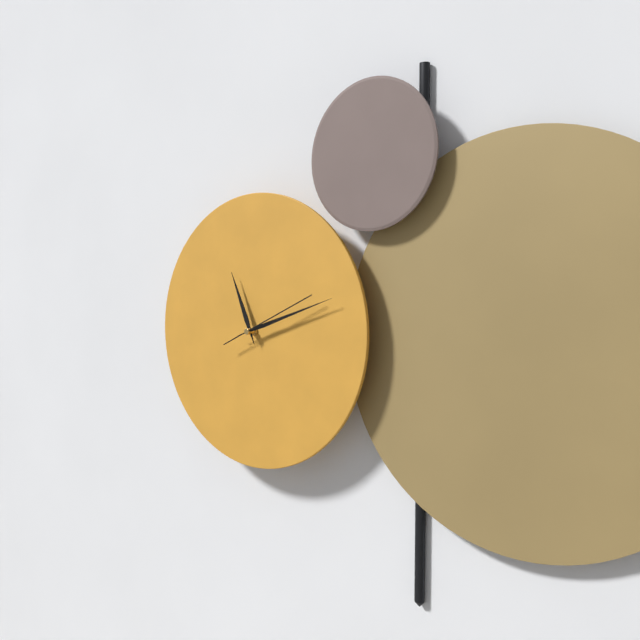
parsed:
**11:12:11**
